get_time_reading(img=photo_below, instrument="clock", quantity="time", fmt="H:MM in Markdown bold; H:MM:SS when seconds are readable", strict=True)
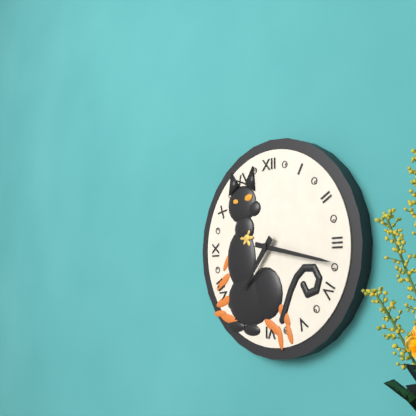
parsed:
**7:17**
